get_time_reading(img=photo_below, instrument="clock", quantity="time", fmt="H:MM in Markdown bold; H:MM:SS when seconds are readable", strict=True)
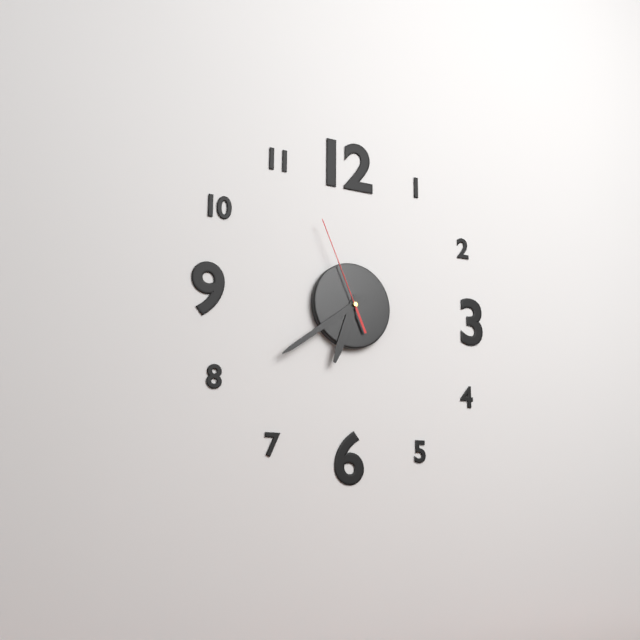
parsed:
**6:39:56**
